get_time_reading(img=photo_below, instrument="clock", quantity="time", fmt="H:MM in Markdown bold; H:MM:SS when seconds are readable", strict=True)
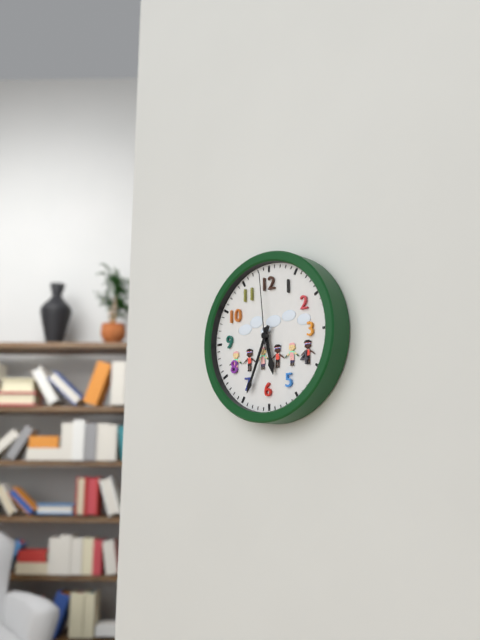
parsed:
**5:34:59**
